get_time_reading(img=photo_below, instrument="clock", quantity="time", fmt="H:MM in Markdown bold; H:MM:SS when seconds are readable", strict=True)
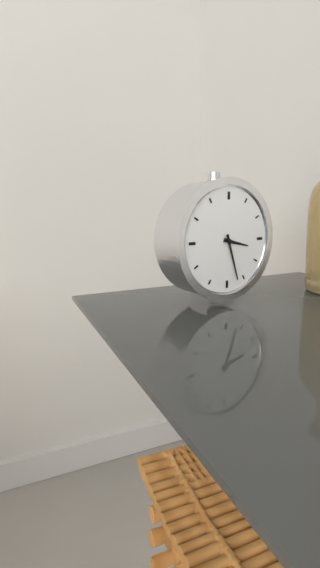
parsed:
**3:27**
